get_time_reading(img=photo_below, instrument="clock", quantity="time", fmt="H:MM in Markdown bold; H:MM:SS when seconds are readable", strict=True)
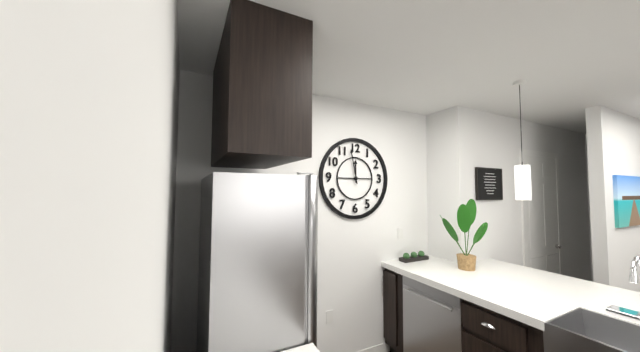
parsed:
**11:58**
